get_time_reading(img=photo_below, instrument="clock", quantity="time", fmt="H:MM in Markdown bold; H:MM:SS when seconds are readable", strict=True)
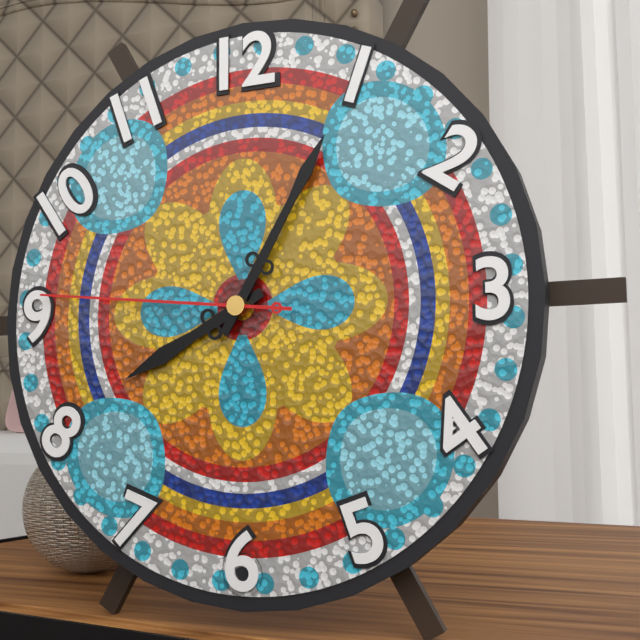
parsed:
**8:05:46**
